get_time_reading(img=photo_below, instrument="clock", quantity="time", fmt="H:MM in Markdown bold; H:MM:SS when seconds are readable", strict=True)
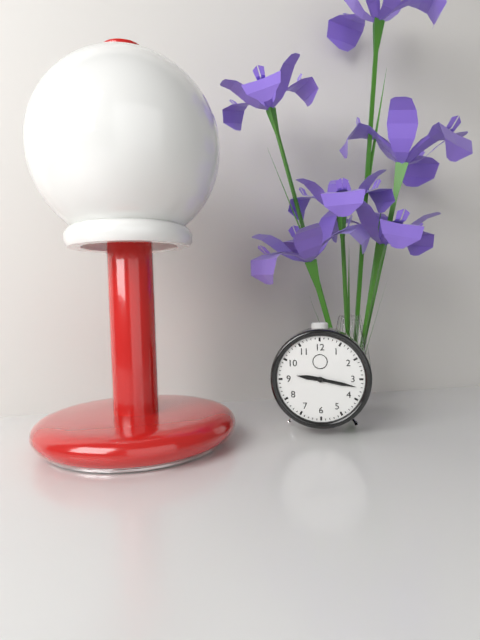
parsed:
**9:17**
